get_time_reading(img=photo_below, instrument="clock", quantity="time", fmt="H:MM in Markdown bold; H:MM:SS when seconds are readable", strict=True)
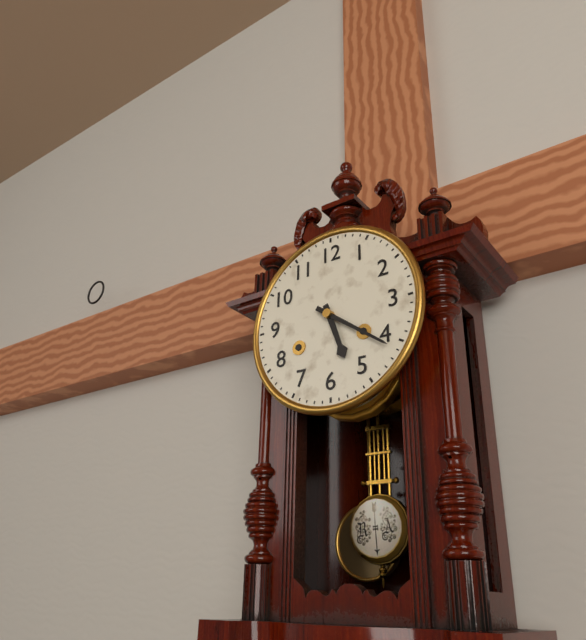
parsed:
**5:21**
